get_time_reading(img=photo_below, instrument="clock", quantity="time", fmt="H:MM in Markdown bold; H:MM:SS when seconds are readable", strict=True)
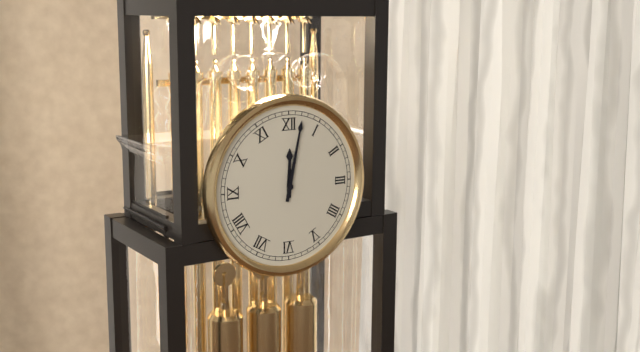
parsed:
**12:02**
